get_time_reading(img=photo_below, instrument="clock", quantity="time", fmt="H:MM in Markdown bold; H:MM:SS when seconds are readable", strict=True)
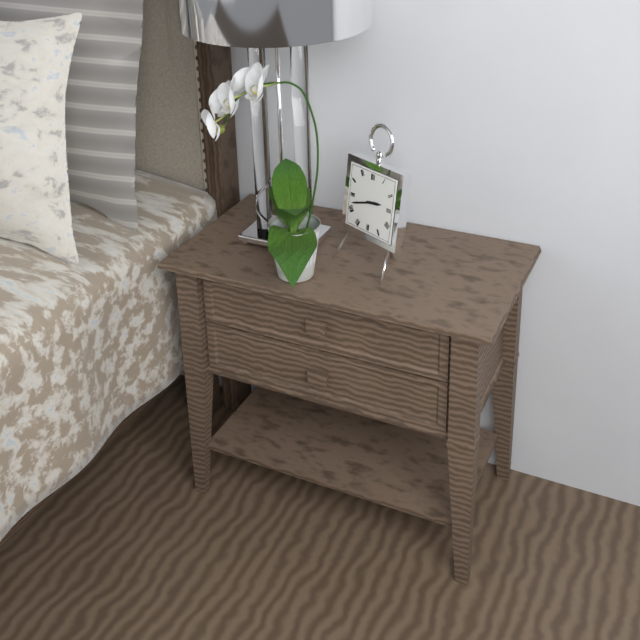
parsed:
**2:42**
